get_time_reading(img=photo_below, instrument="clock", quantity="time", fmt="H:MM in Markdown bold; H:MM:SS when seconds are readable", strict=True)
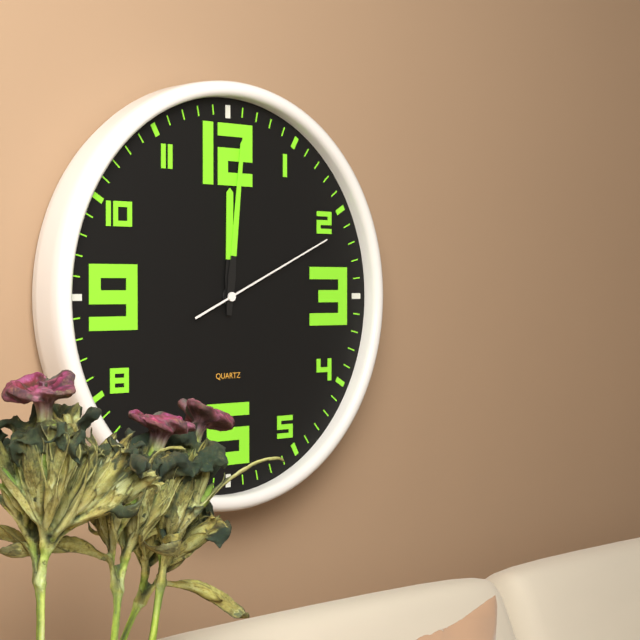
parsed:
**12:01:11**
